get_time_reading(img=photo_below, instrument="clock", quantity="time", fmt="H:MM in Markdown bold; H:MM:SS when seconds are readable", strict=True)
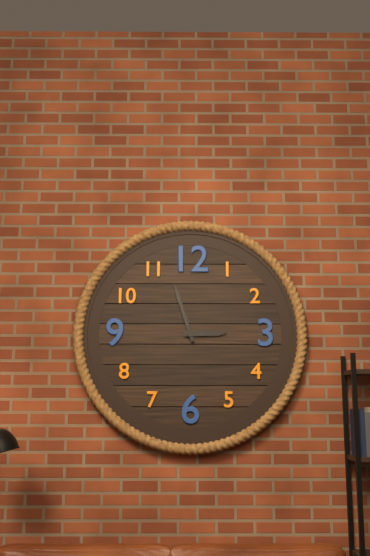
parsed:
**2:57**
